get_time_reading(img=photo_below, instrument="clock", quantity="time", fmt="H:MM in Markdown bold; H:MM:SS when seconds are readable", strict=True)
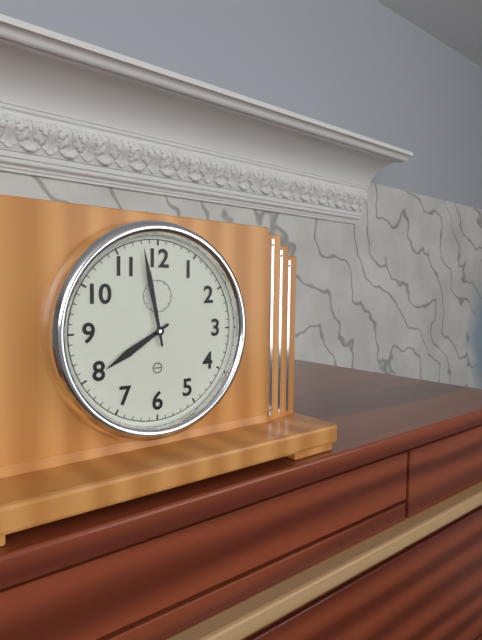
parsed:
**7:58**
